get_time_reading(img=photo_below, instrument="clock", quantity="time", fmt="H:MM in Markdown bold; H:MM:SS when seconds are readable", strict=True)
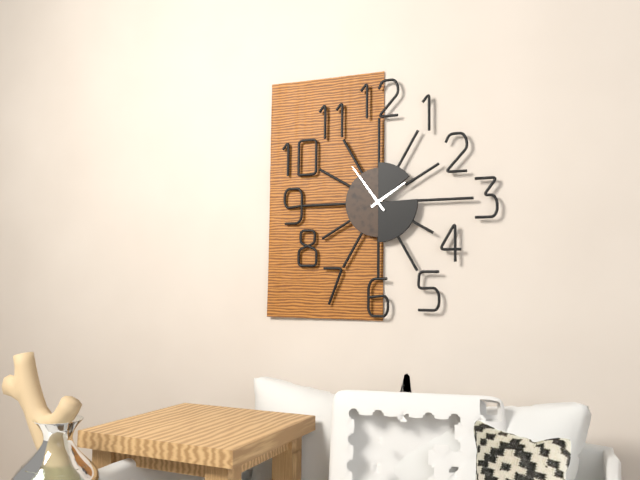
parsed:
**1:54**
